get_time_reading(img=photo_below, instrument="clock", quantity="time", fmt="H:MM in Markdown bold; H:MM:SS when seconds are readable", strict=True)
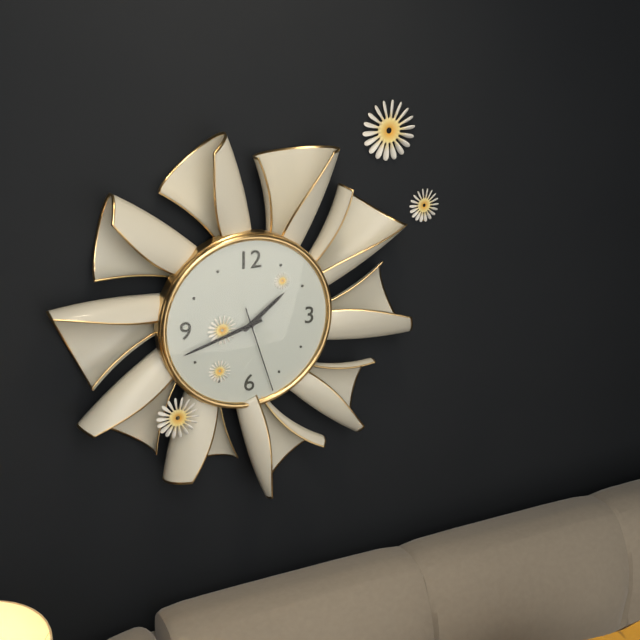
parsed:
**1:42:27**
